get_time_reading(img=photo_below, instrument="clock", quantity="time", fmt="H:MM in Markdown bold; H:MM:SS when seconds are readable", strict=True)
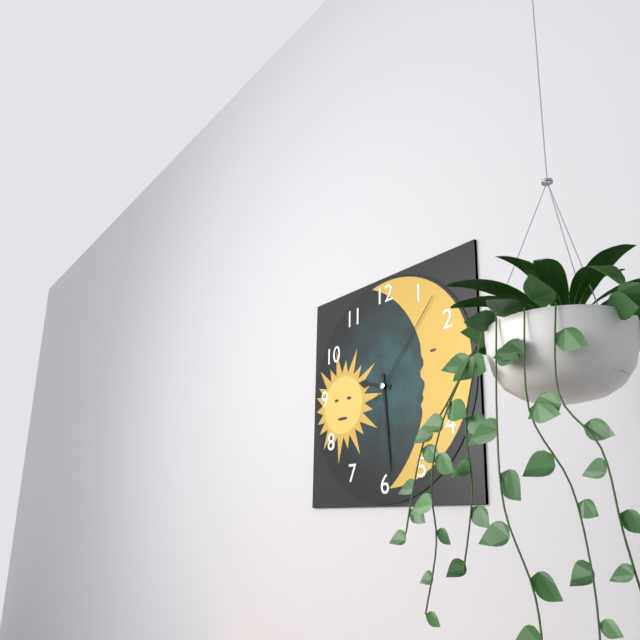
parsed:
**9:29:07**
